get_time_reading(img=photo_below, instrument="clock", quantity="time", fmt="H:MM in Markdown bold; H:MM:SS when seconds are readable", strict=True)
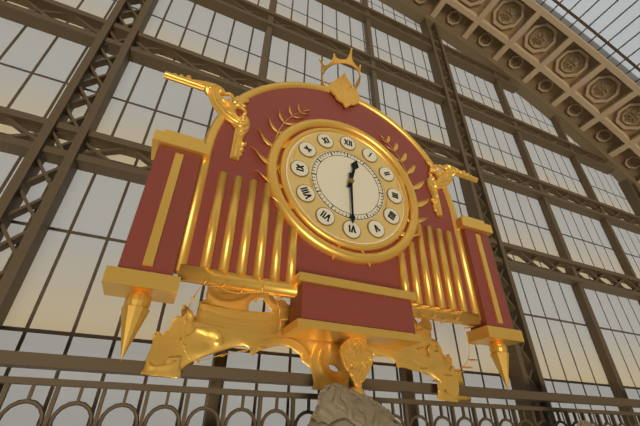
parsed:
**12:30**
